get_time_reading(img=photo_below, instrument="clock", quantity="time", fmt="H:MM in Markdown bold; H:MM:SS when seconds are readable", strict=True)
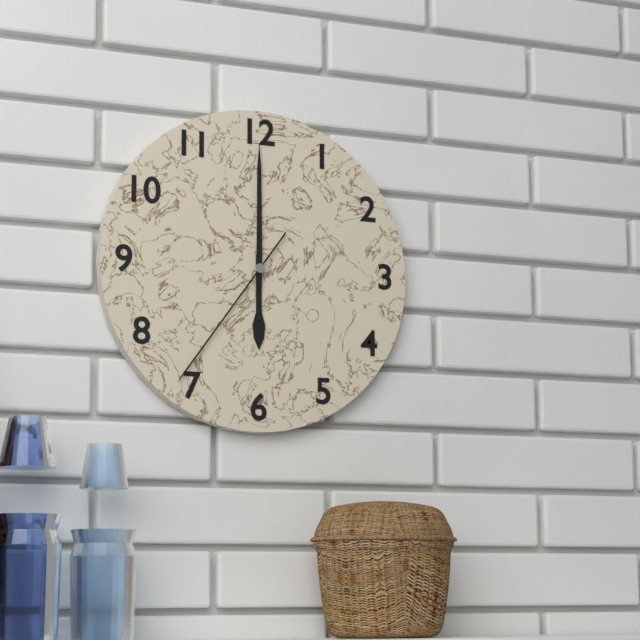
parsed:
**6:00:36**
